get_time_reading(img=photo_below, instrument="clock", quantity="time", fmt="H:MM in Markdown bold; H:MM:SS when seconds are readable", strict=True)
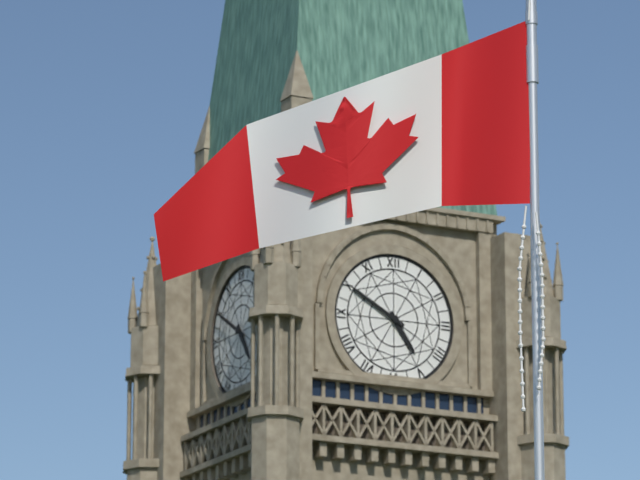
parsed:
**4:50**
